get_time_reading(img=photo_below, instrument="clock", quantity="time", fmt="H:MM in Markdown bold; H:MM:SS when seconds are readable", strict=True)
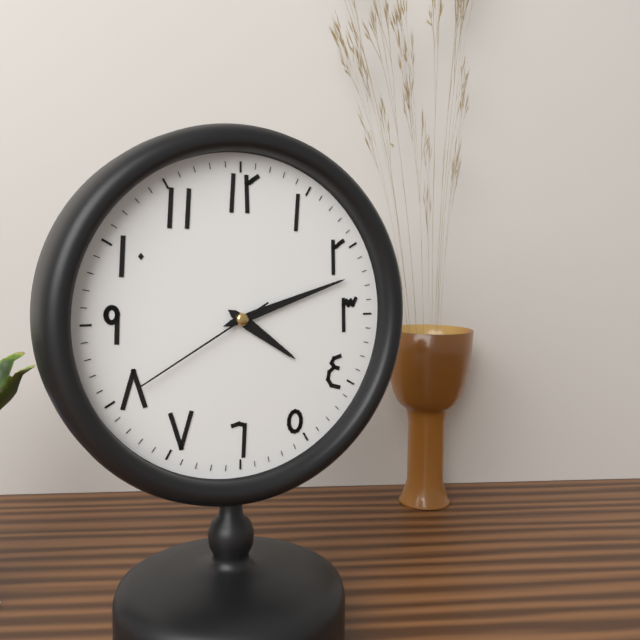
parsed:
**4:12:40**
